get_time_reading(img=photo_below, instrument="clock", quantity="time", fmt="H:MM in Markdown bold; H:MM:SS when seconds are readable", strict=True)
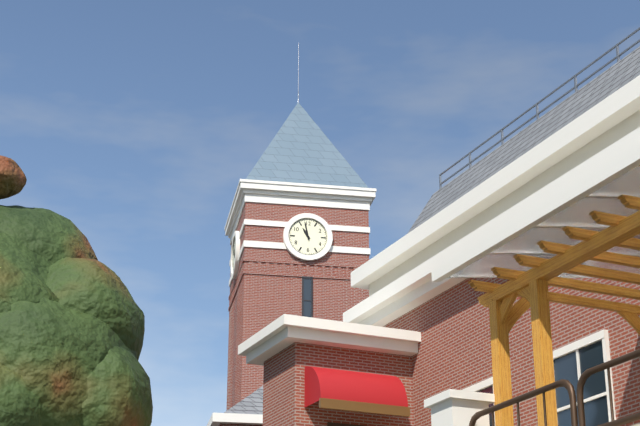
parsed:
**10:58**
